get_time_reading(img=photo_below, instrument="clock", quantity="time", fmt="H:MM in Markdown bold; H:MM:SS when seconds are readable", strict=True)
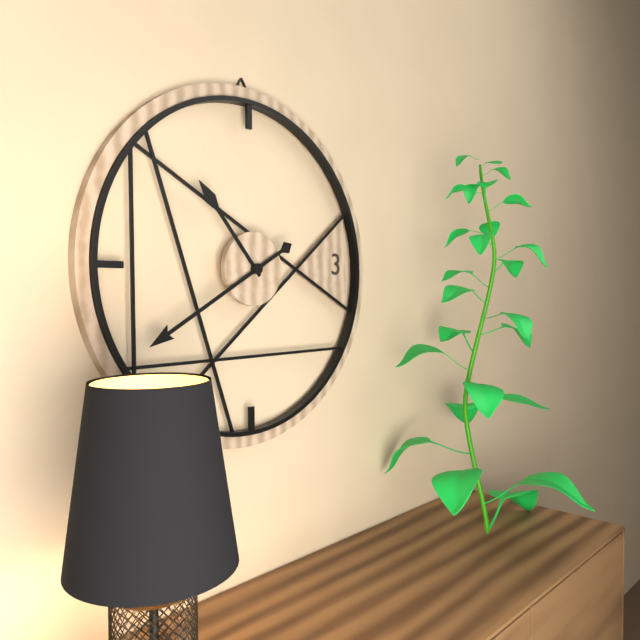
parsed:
**10:40**
